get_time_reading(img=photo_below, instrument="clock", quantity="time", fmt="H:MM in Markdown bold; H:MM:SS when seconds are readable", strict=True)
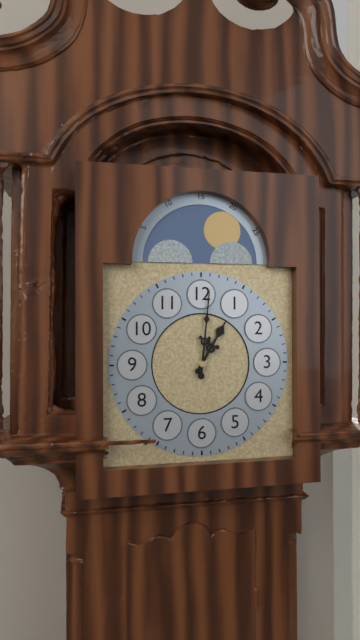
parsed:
**1:01**
